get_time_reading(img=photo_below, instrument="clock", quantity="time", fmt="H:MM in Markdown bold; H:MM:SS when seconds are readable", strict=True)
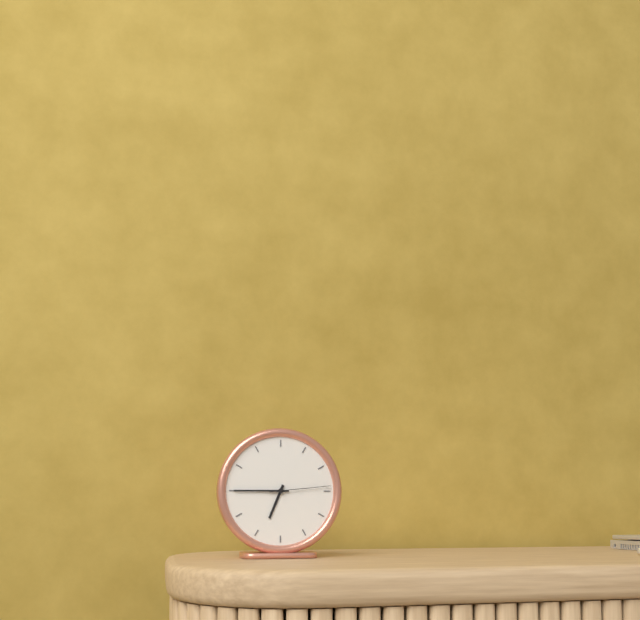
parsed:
**6:45:14**
